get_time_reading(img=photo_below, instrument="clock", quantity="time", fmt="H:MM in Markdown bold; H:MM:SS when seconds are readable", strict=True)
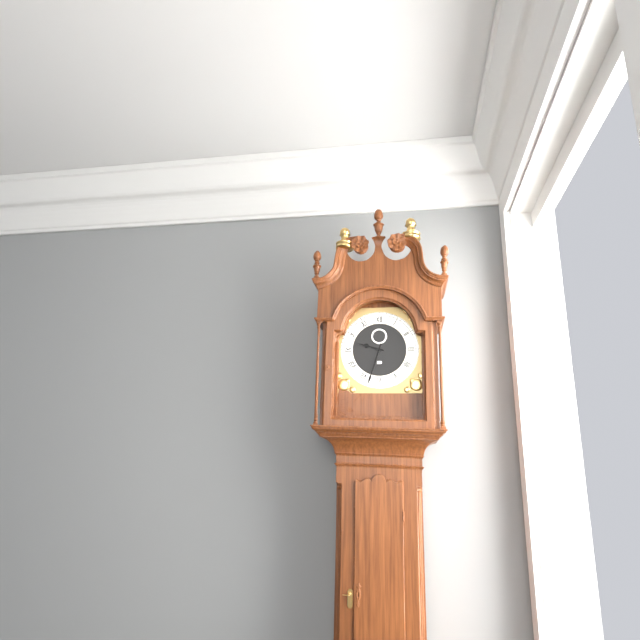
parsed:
**9:33**
